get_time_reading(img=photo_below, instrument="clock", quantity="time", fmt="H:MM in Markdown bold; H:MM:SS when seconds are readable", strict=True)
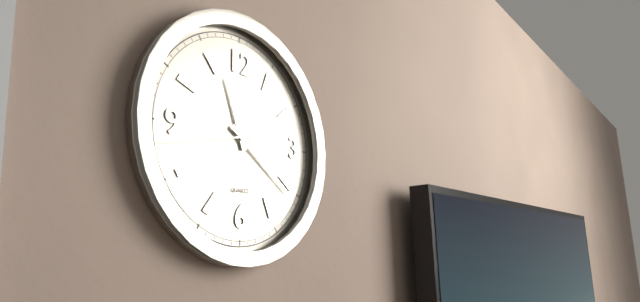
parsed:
**11:21:43**
